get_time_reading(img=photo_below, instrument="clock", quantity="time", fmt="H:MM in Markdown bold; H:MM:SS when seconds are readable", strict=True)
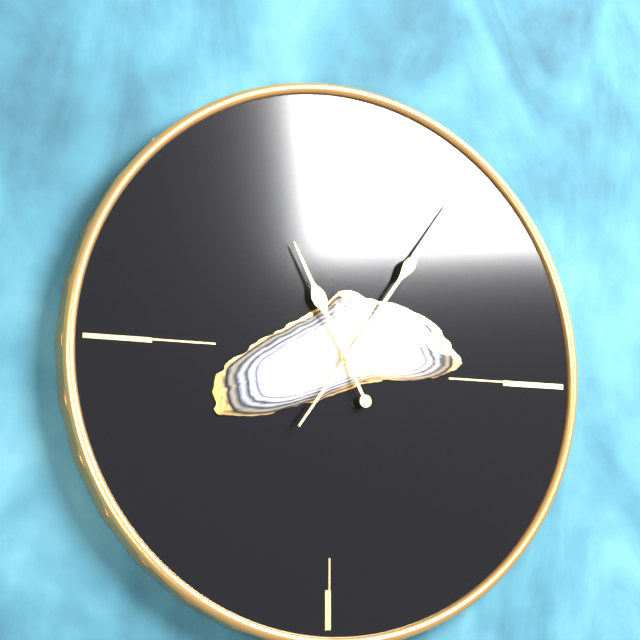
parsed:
**11:06**
